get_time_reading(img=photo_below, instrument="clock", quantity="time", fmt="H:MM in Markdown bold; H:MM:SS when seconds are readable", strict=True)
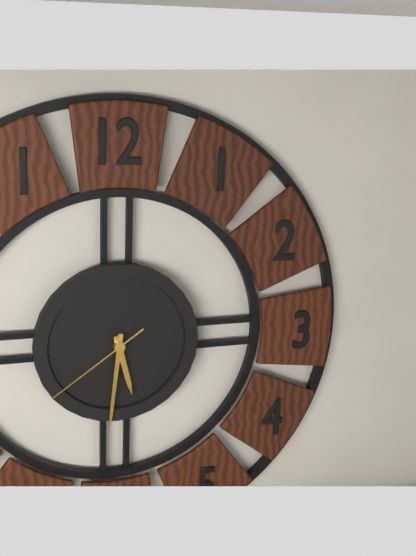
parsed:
**5:31:39**
